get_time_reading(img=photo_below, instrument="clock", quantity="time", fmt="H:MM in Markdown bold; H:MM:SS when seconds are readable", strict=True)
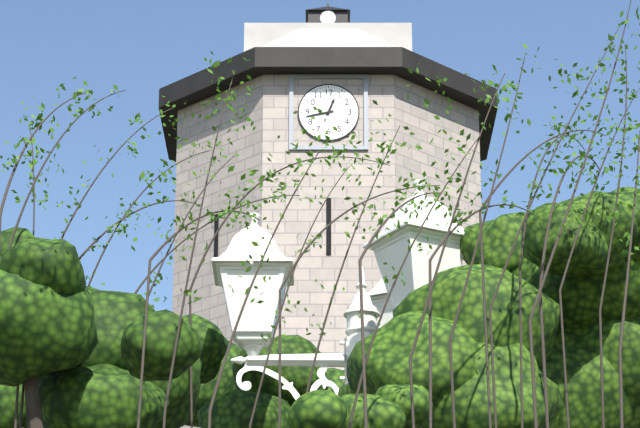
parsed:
**12:43**
